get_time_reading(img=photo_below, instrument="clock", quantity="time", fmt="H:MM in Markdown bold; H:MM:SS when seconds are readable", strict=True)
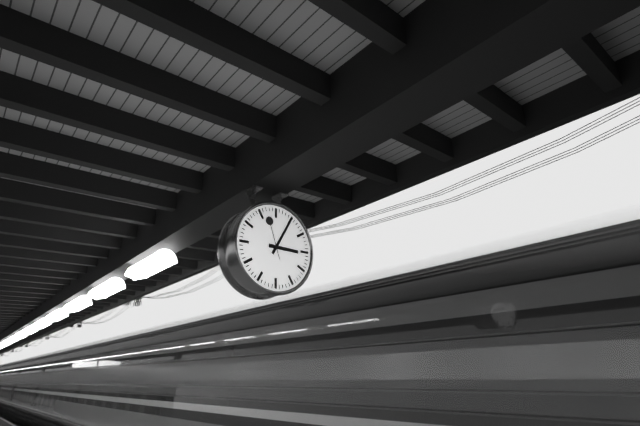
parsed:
**3:05**
